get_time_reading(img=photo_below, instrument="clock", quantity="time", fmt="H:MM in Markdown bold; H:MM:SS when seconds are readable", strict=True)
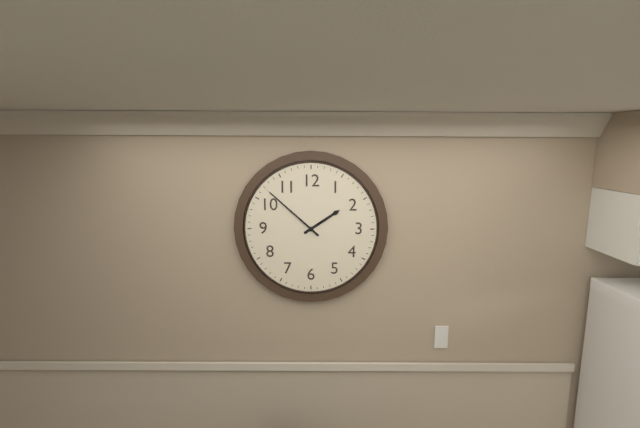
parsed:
**1:52**
